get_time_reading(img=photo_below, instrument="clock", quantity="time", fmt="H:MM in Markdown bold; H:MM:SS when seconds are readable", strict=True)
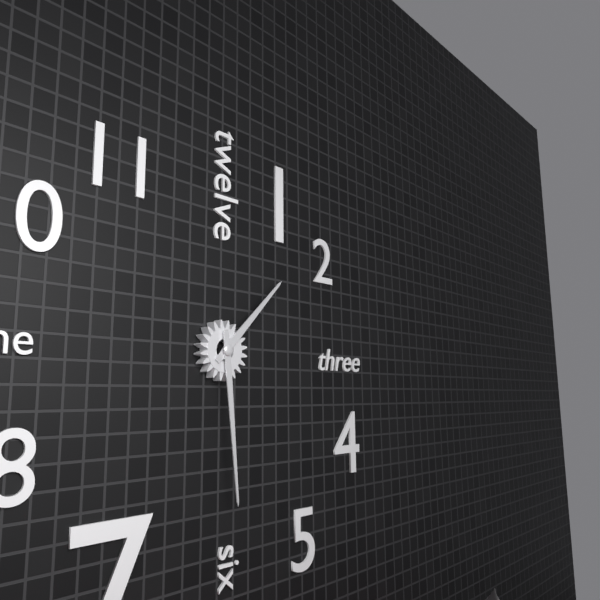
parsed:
**1:29**
